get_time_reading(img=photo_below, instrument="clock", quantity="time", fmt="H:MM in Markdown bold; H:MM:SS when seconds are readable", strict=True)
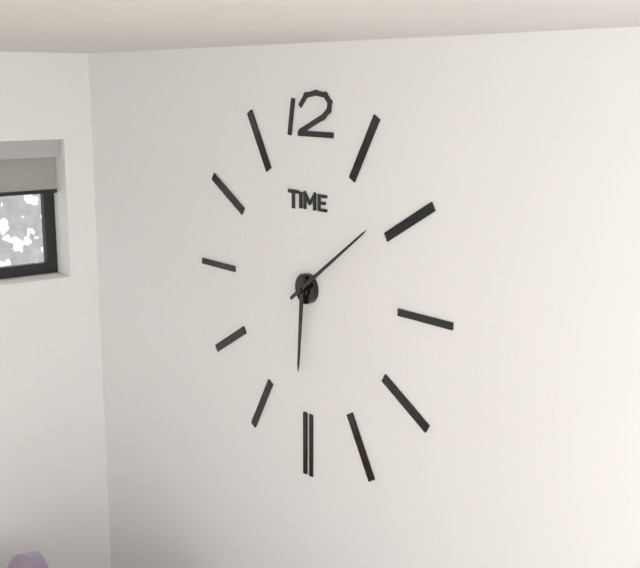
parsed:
**6:09**
